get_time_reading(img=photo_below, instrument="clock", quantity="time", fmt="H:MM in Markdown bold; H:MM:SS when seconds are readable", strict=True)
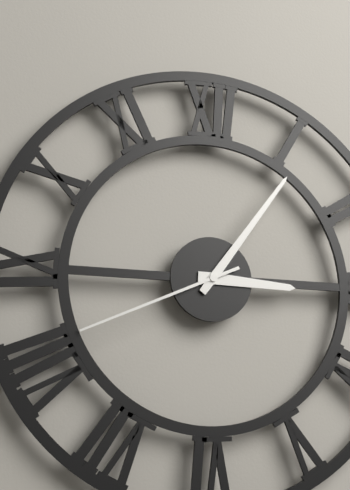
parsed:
**3:06:41**
